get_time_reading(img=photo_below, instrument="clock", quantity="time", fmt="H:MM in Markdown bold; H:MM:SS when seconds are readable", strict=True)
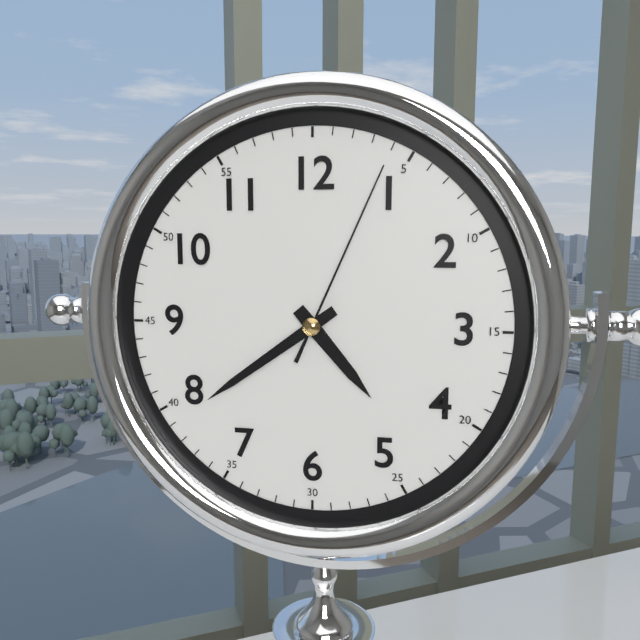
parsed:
**4:39:04**
